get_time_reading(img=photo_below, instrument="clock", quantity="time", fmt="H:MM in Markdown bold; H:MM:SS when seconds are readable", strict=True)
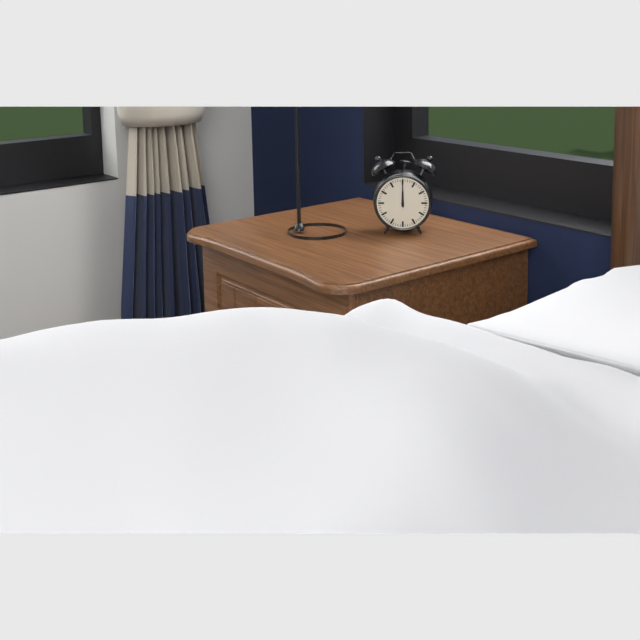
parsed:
**12:00**
